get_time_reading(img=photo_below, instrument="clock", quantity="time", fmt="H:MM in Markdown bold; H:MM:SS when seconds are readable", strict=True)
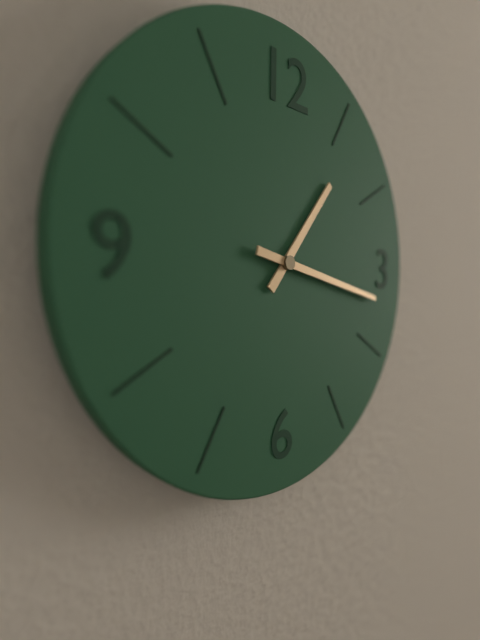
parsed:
**1:17**
